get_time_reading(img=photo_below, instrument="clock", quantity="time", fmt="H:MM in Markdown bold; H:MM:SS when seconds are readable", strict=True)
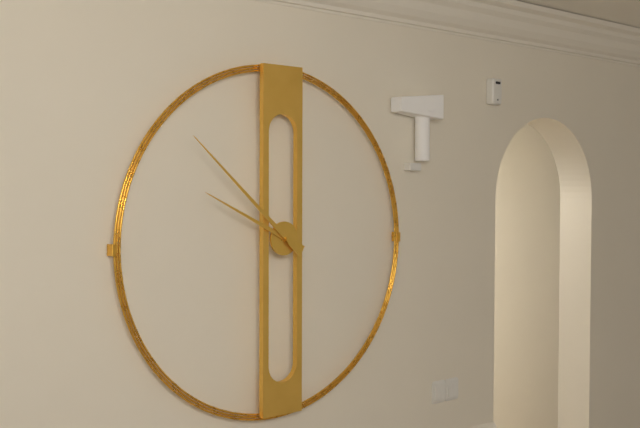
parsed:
**9:52**
